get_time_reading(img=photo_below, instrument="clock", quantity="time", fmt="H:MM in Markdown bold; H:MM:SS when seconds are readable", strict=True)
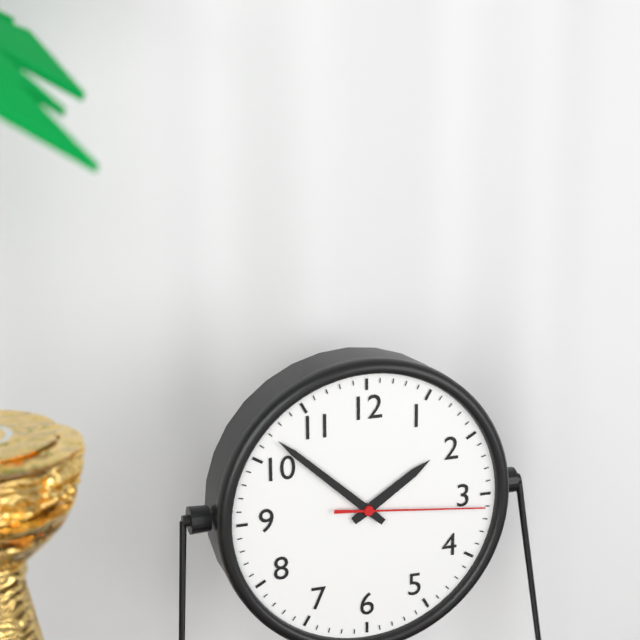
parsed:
**1:52:16**
